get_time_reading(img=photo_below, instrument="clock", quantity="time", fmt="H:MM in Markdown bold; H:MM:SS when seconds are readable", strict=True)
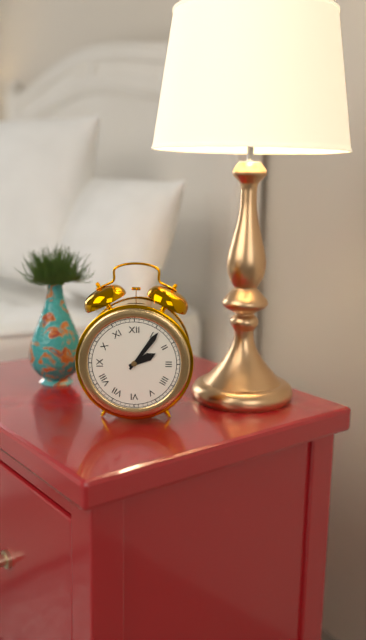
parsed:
**2:06**
